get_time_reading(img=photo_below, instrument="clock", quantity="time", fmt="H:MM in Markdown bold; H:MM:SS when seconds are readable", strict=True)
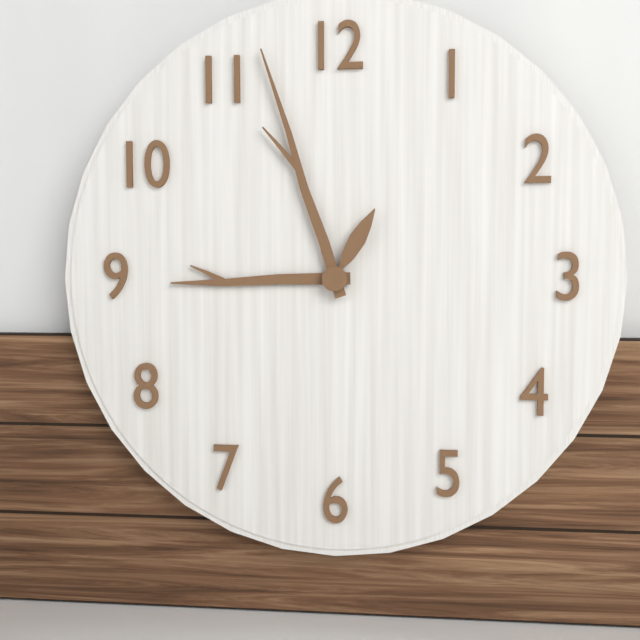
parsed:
**8:57:05**
